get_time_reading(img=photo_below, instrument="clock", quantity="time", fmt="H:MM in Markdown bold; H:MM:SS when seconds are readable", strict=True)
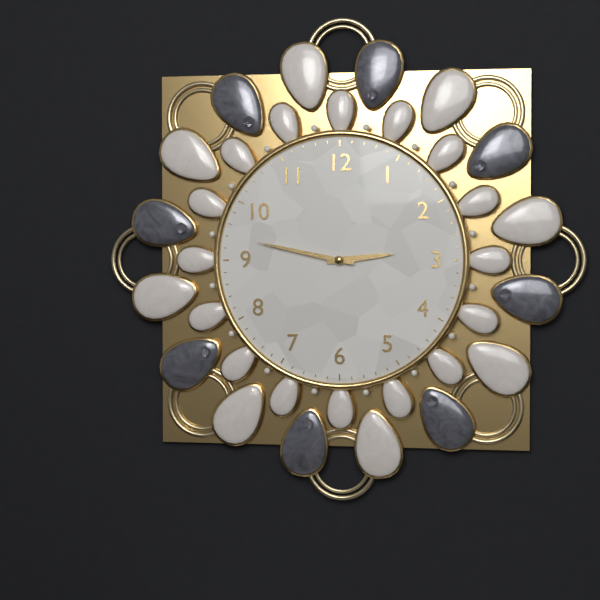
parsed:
**2:47**
